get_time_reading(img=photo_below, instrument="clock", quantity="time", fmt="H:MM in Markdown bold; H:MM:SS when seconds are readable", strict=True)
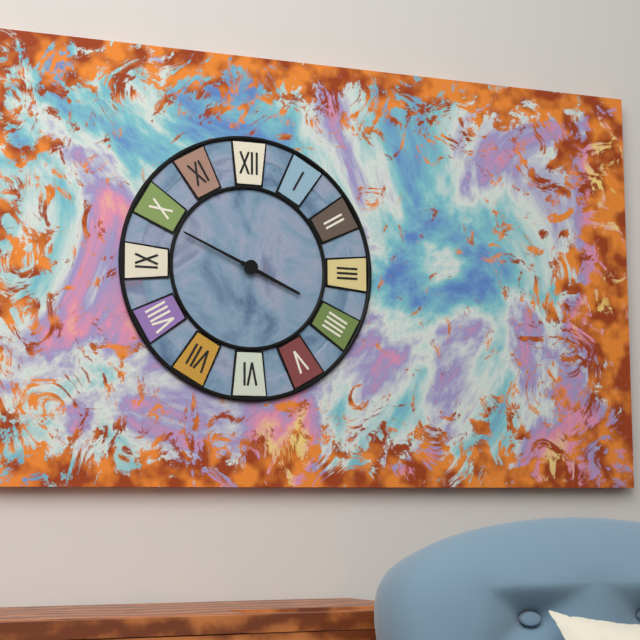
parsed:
**3:49**
